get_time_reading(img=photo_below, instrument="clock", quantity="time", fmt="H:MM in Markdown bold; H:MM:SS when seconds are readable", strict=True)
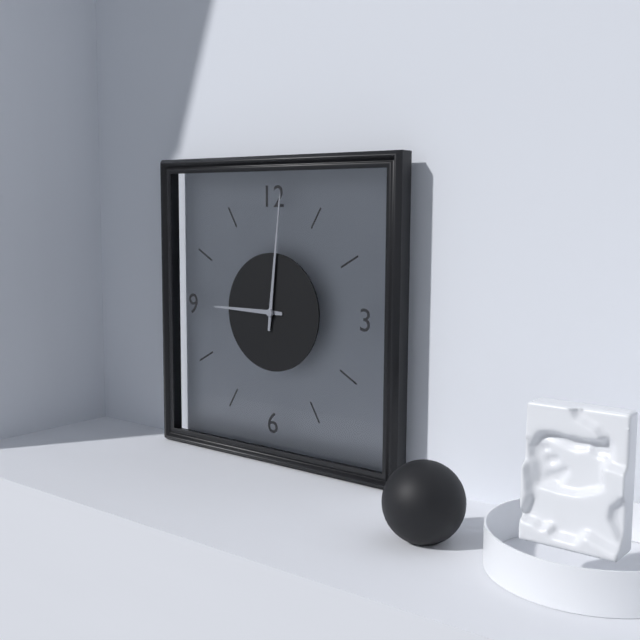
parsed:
**9:01**
